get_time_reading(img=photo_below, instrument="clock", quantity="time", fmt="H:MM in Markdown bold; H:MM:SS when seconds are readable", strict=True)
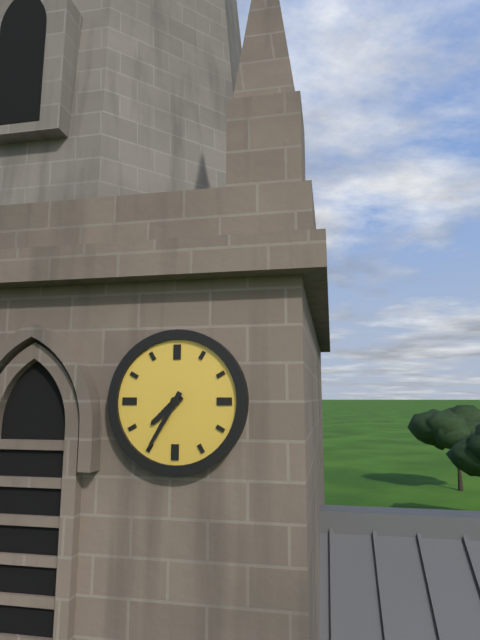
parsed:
**7:35**
